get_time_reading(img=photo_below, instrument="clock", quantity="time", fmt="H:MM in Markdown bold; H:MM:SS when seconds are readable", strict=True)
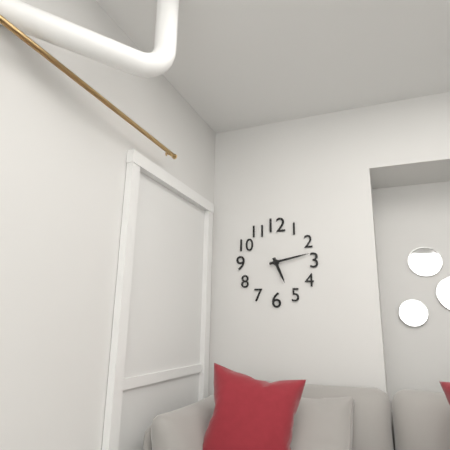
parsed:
**5:13**
